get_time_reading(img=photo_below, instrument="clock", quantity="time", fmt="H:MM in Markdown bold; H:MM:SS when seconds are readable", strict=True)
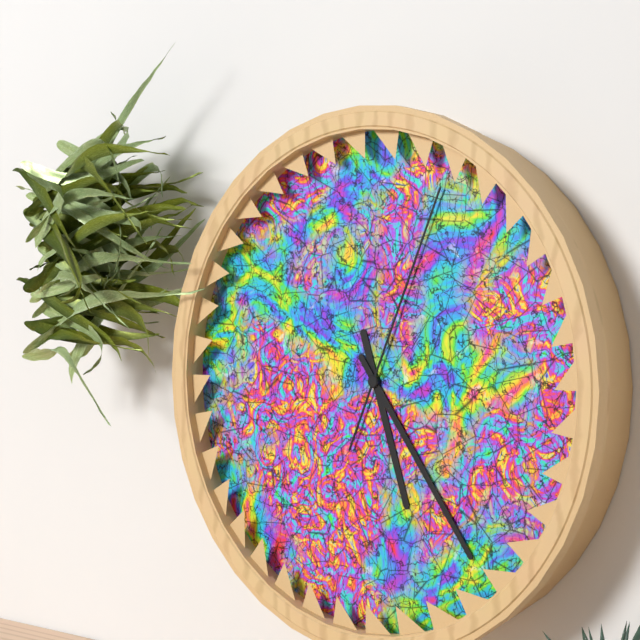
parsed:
**5:24:04**
